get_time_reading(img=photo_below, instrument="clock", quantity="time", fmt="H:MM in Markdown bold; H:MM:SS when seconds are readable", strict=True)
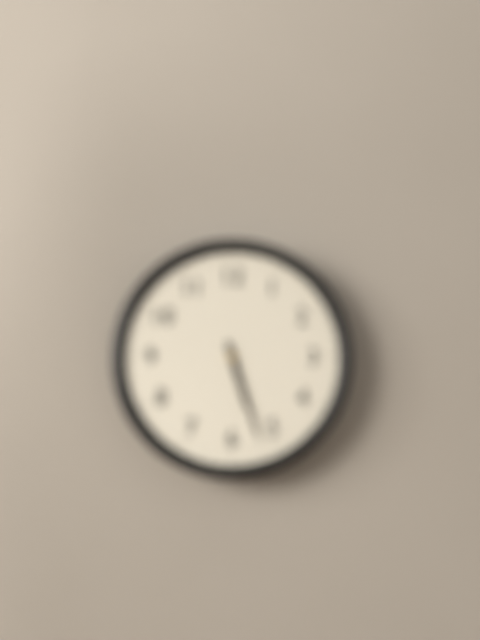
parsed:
**5:27**
